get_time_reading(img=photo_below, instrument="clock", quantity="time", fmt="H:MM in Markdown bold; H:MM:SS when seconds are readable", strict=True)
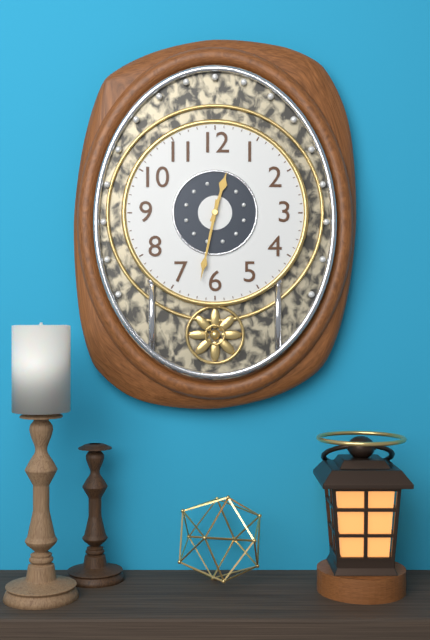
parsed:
**12:32**
